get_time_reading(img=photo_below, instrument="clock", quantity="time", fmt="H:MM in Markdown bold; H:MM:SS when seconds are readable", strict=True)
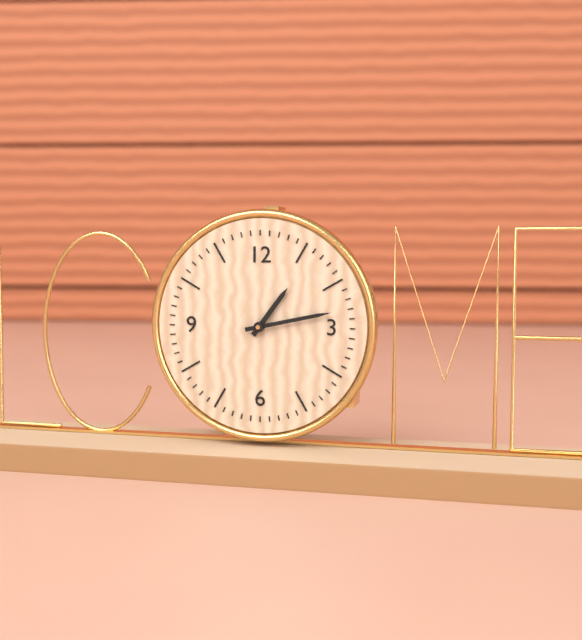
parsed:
**1:13**
